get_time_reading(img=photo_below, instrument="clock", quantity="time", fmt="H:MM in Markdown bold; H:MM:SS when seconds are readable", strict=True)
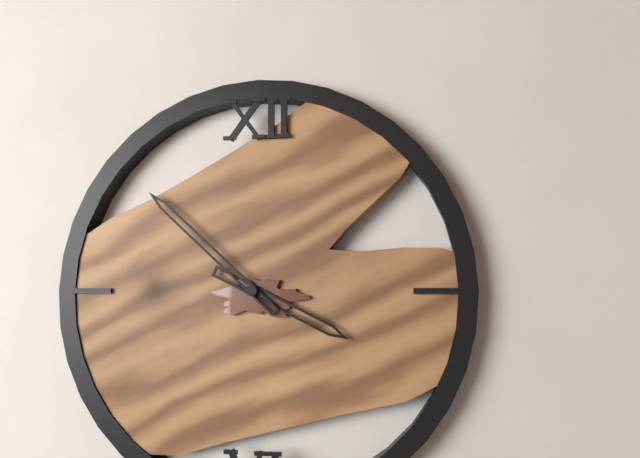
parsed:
**3:52**
